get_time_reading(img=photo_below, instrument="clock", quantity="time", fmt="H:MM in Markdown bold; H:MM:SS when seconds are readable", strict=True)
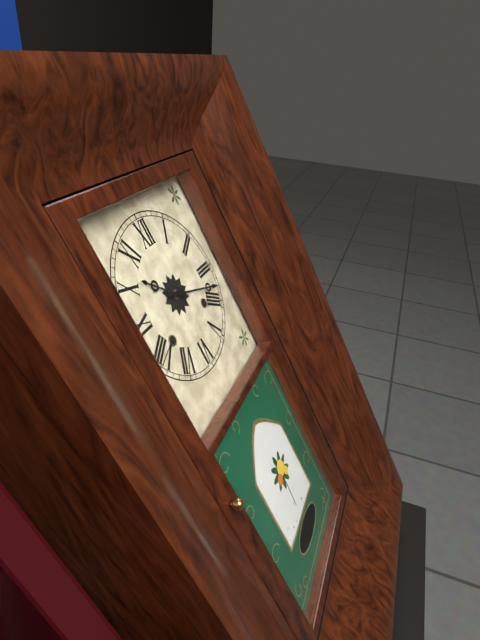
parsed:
**10:18**
